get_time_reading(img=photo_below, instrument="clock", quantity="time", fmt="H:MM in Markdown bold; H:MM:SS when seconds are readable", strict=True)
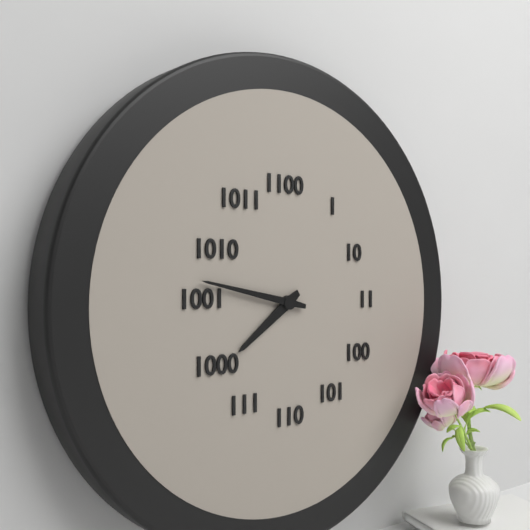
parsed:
**7:47**
